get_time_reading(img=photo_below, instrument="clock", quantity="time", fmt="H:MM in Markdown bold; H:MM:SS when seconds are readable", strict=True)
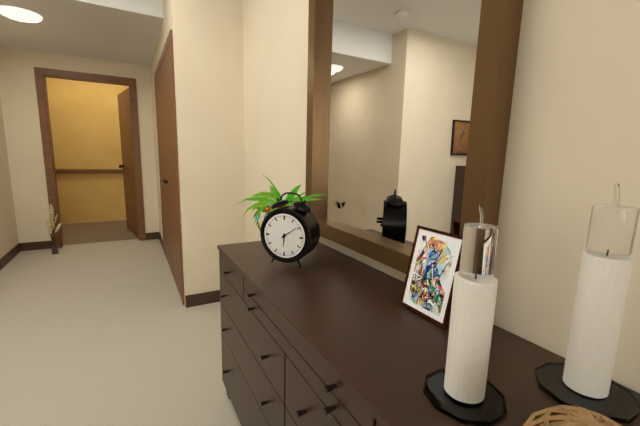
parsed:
**6:09**
